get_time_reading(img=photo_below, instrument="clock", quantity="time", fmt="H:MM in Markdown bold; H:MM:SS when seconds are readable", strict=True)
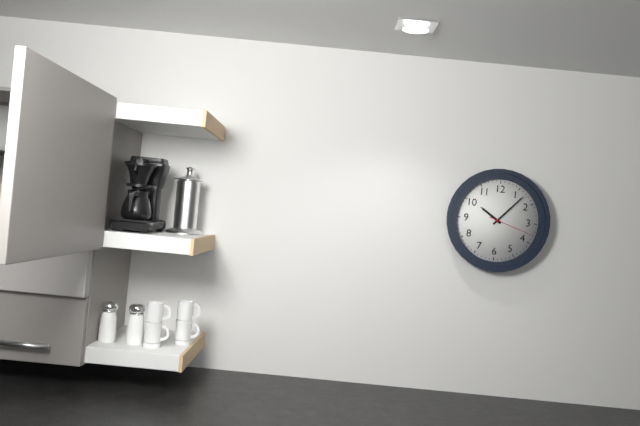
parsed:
**10:07**
